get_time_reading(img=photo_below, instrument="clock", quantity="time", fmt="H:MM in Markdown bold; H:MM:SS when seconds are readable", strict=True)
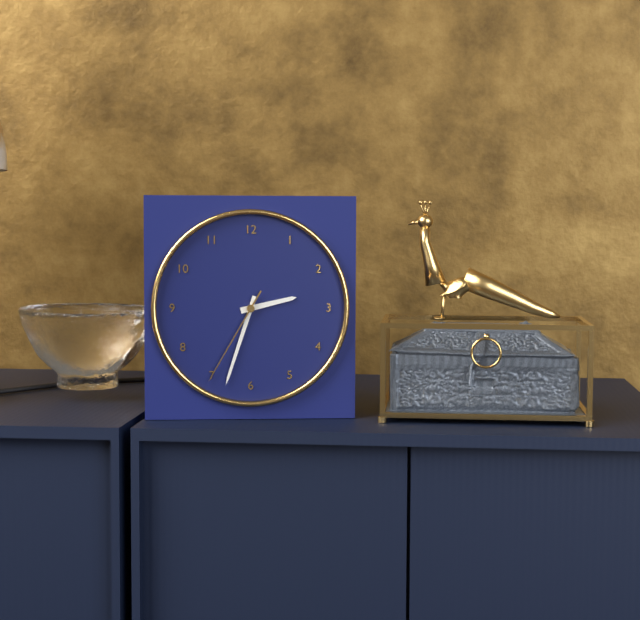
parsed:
**2:33:35**
